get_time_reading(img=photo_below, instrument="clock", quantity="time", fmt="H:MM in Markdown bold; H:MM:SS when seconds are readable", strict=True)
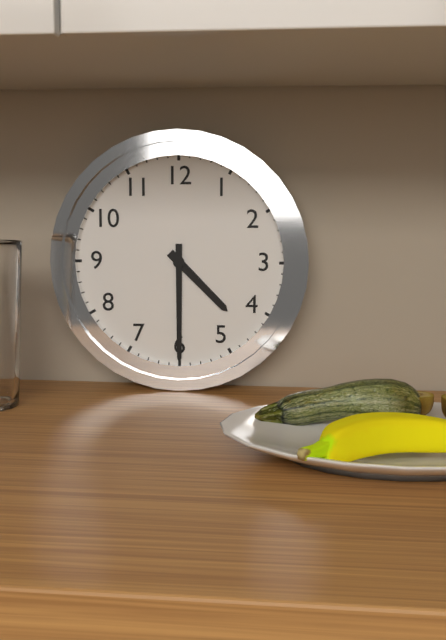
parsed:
**4:30**
